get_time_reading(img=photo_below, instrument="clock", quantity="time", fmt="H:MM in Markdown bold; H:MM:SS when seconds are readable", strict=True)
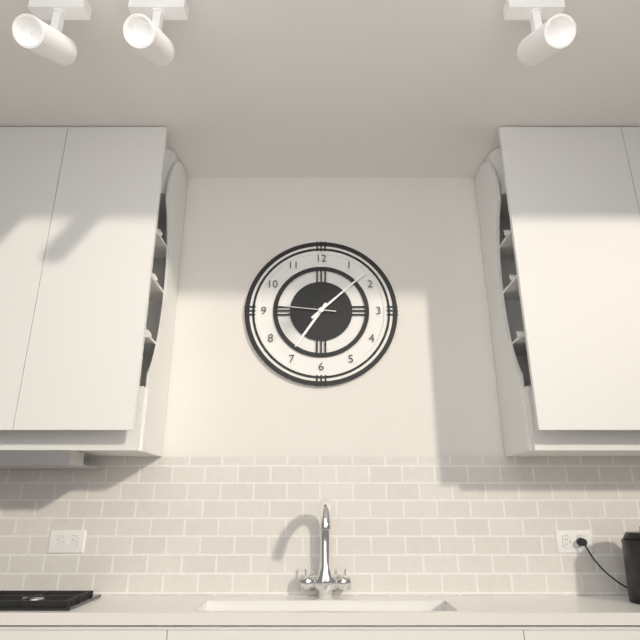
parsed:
**7:08:46**
